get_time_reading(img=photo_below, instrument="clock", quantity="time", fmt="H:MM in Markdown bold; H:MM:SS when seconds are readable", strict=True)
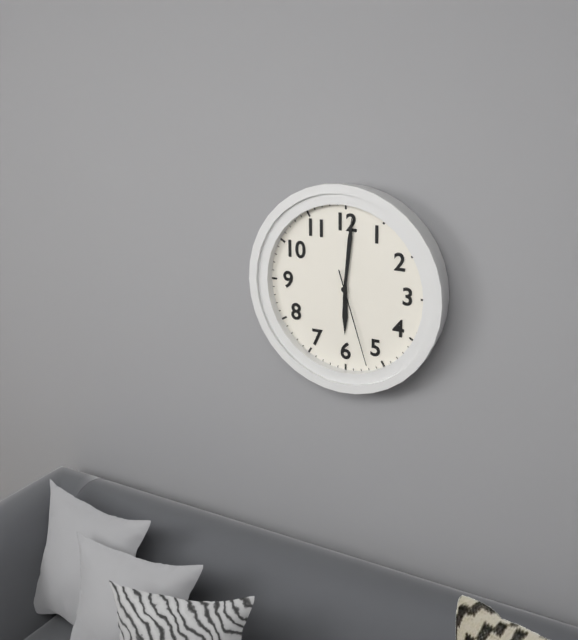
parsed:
**6:01:27**
